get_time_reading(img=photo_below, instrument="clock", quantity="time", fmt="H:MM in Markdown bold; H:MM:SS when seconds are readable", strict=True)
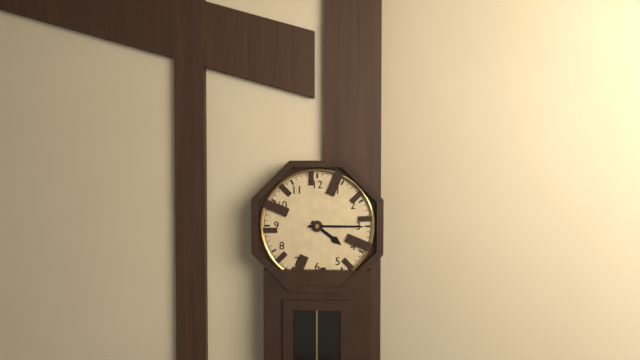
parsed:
**4:15**
